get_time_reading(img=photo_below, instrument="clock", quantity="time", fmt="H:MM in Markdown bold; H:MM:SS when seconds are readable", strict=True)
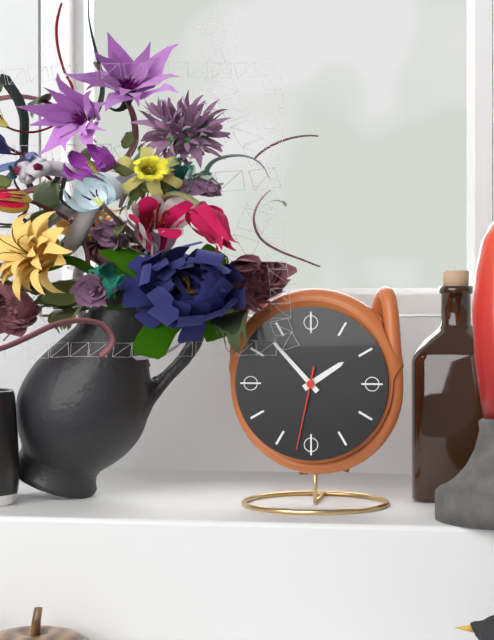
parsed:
**1:53:32**
